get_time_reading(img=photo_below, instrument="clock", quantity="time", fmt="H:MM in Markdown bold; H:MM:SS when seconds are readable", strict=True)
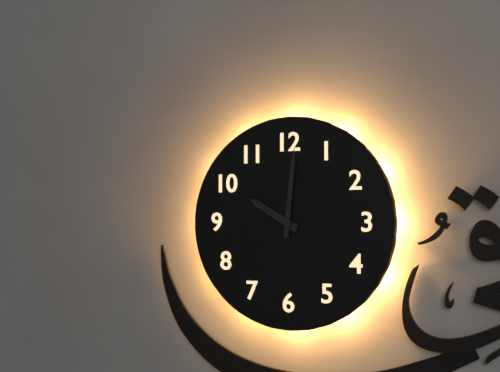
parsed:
**10:01**
